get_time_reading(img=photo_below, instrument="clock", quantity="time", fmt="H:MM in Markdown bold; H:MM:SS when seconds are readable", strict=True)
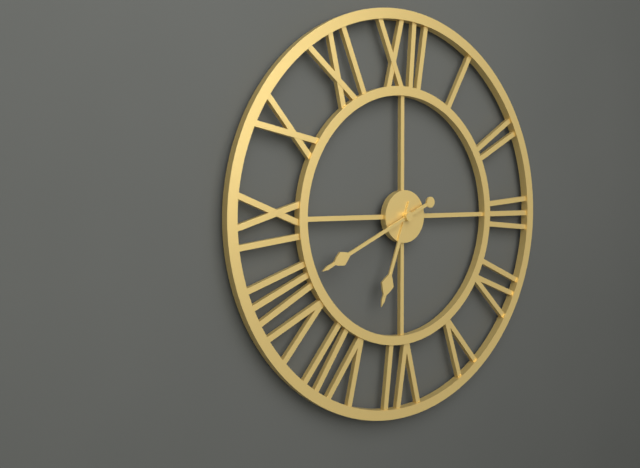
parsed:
**6:41**
